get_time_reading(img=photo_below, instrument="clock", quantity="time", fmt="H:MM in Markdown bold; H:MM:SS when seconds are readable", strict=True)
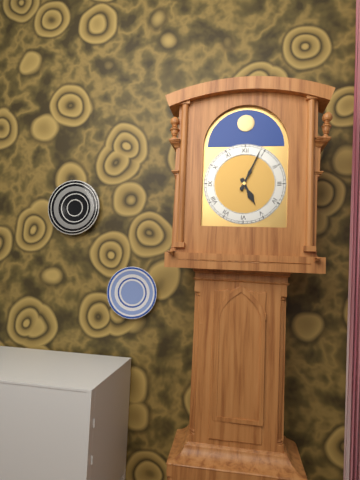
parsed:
**5:04**
